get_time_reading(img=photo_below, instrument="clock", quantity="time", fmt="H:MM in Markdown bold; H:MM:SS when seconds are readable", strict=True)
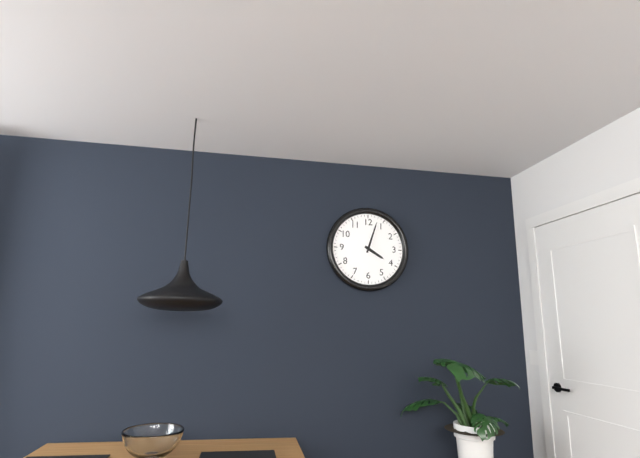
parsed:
**4:03**
